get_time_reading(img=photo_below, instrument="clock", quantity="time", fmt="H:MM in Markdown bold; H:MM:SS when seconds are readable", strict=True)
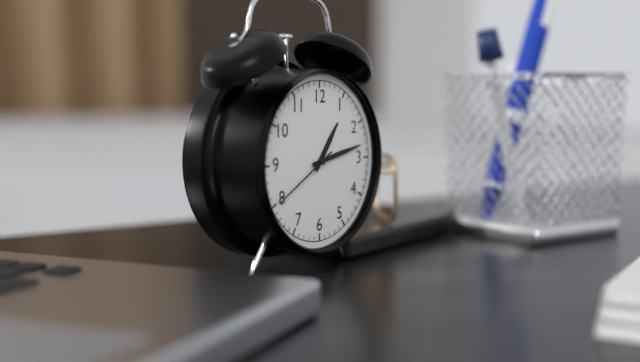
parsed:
**1:13:40**
